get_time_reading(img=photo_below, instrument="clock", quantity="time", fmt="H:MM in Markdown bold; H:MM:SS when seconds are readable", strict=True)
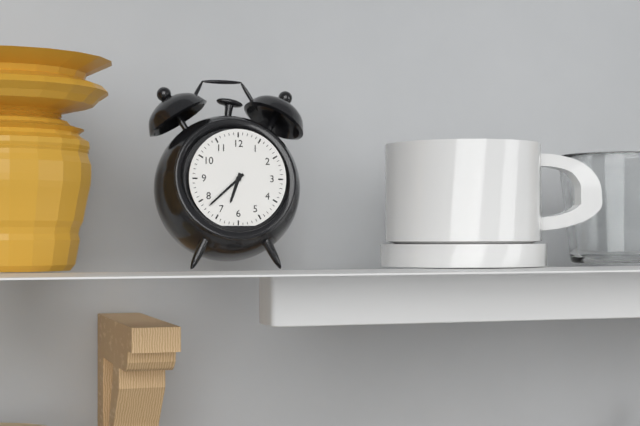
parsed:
**6:38**
